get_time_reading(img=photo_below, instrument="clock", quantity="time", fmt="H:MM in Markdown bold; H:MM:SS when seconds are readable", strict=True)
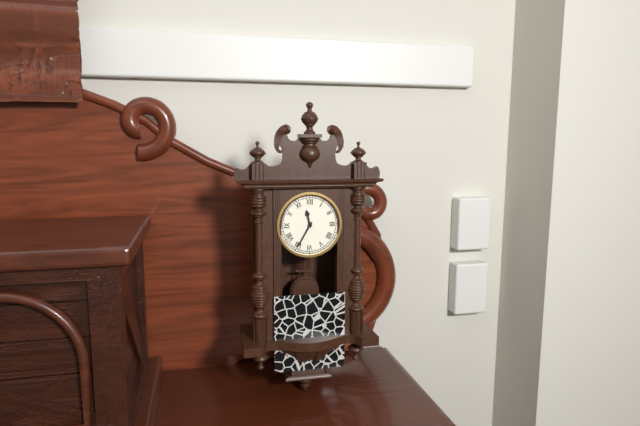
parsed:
**11:35**
